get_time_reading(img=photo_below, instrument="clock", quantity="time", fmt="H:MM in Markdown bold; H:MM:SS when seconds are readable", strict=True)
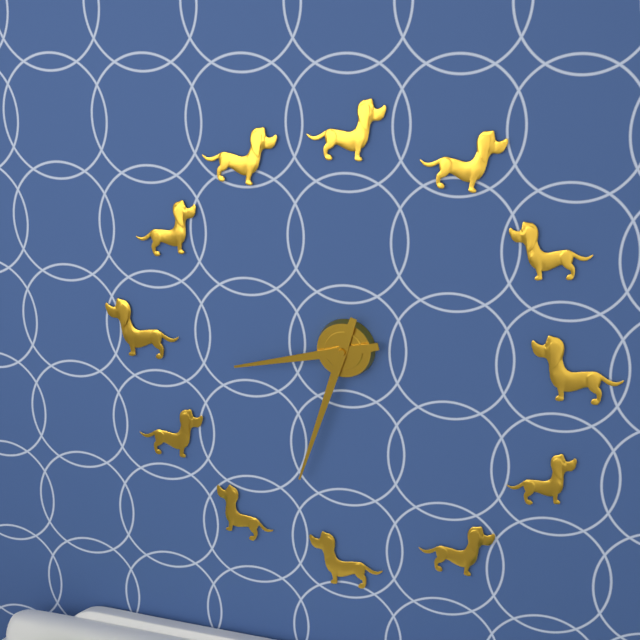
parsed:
**8:33**
